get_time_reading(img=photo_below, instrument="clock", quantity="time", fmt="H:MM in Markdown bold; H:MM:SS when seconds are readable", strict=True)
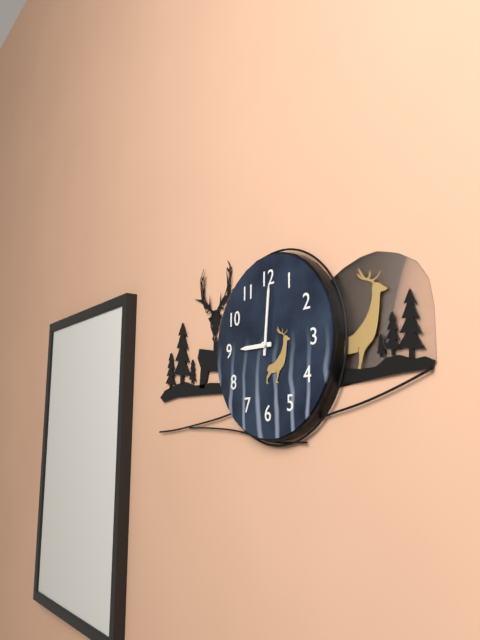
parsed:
**9:01**
